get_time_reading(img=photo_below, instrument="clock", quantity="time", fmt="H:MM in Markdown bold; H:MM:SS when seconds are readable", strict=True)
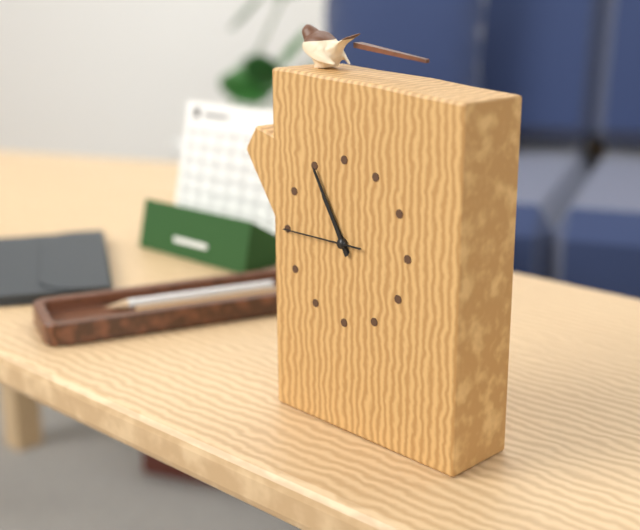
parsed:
**10:55:45**
